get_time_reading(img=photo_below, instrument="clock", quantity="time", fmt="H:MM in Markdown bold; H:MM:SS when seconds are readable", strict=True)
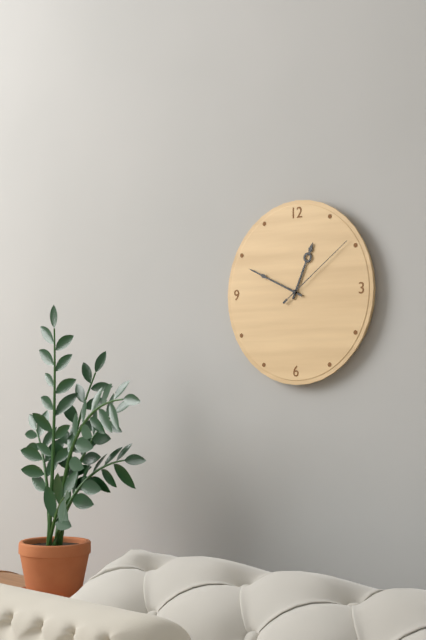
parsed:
**12:49:09**
